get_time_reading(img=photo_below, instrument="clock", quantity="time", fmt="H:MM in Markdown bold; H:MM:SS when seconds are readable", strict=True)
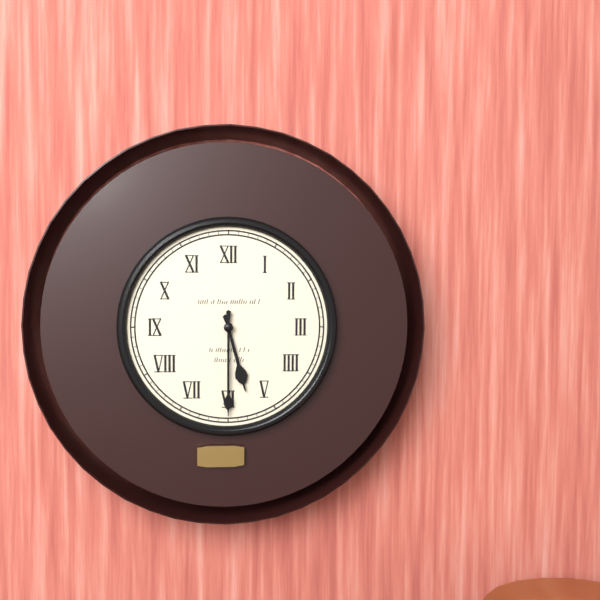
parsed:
**5:30**
